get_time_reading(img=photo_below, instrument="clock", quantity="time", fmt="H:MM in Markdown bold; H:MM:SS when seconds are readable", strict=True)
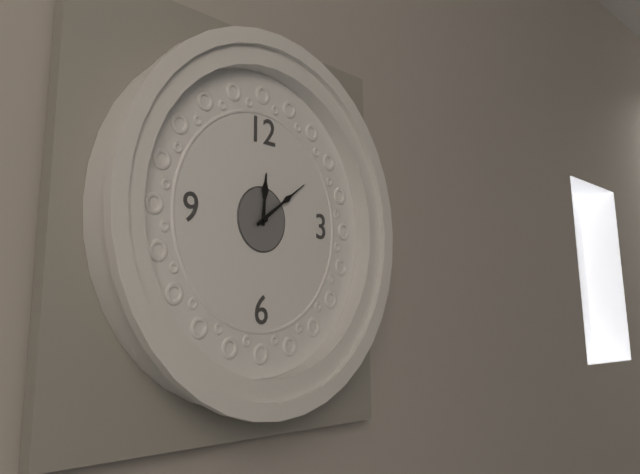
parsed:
**12:09**
